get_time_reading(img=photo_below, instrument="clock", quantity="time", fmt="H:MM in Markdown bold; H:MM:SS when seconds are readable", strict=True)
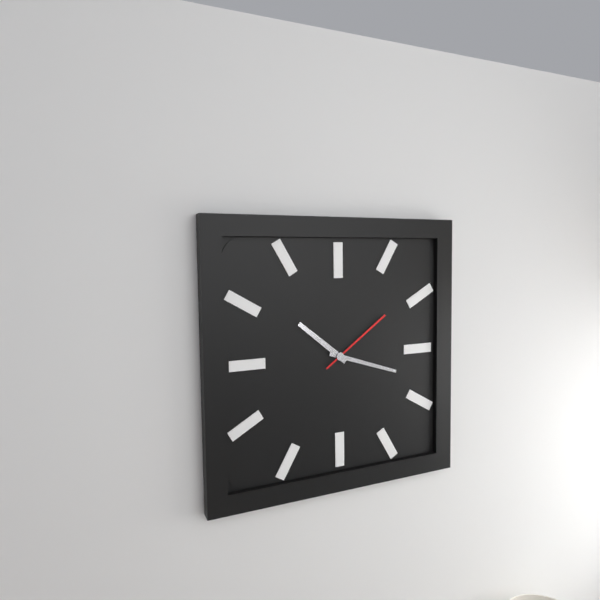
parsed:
**10:18:09**
